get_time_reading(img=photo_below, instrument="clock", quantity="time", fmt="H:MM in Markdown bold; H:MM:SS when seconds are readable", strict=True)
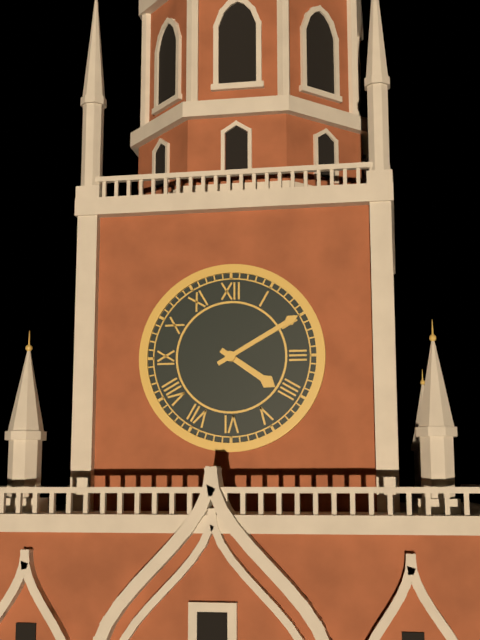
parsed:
**4:10**
